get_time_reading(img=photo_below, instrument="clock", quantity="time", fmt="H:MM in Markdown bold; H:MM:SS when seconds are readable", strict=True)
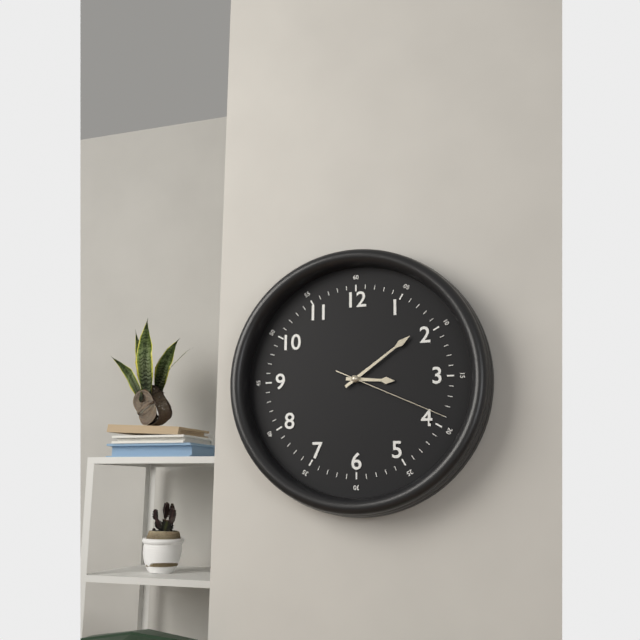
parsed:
**3:09:19**
